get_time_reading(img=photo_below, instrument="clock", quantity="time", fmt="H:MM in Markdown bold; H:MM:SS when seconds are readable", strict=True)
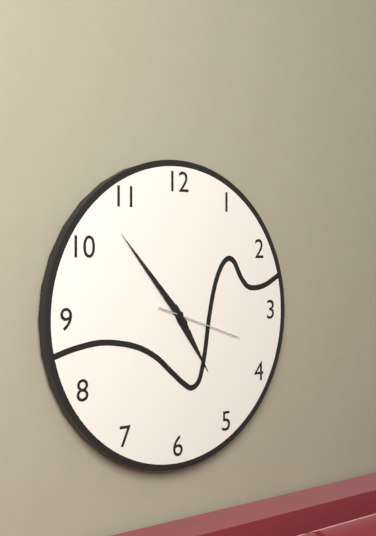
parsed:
**4:53:18**
